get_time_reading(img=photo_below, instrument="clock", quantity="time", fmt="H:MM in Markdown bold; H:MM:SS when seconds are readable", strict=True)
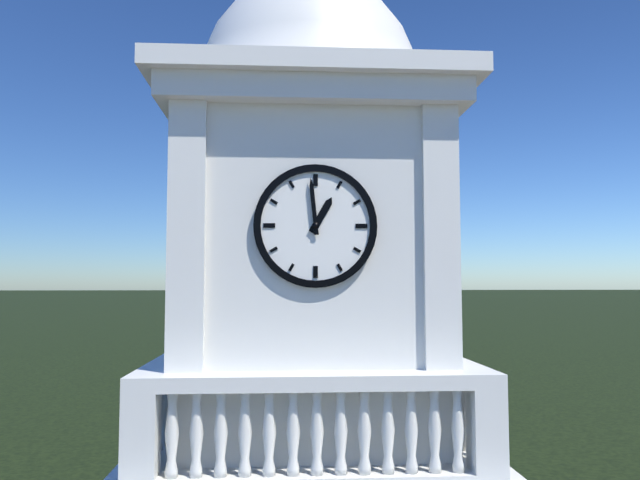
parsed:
**12:59**
